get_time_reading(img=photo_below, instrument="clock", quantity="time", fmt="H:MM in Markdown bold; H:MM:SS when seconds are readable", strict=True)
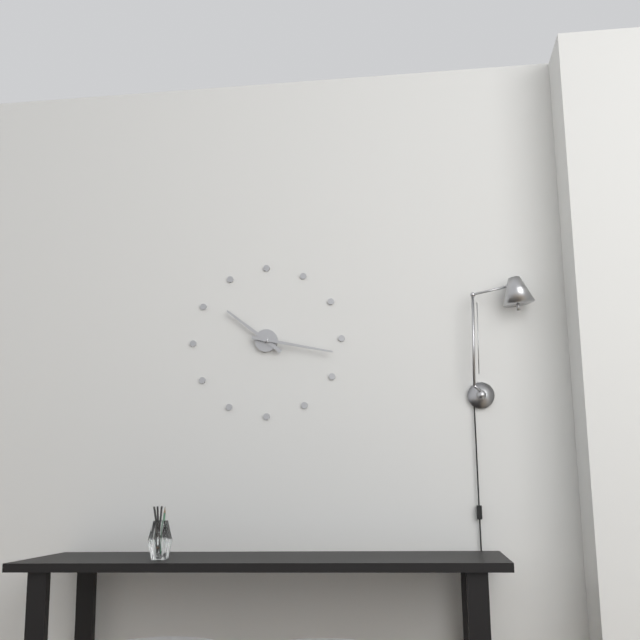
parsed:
**10:17**
